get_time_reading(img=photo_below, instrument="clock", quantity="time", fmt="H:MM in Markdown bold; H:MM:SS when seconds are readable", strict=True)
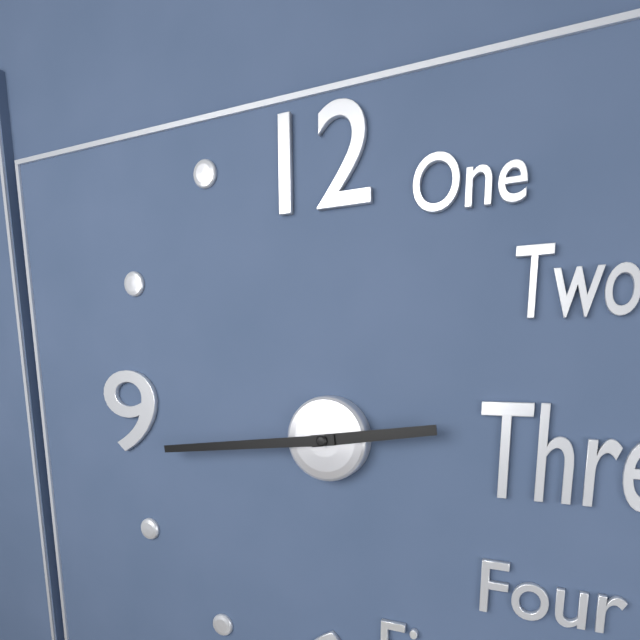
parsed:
**2:44**
